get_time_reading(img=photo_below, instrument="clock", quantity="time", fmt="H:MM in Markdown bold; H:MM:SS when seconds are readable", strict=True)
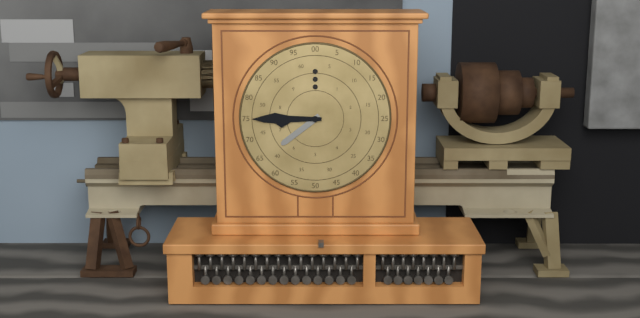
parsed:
**7:45**
